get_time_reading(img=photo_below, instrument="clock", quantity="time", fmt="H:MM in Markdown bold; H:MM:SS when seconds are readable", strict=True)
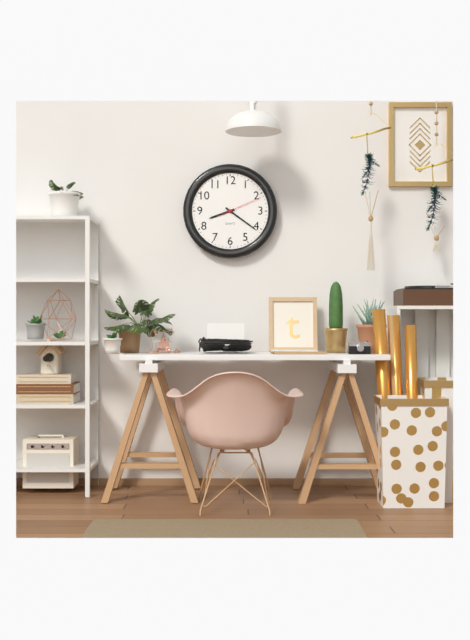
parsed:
**8:21**
